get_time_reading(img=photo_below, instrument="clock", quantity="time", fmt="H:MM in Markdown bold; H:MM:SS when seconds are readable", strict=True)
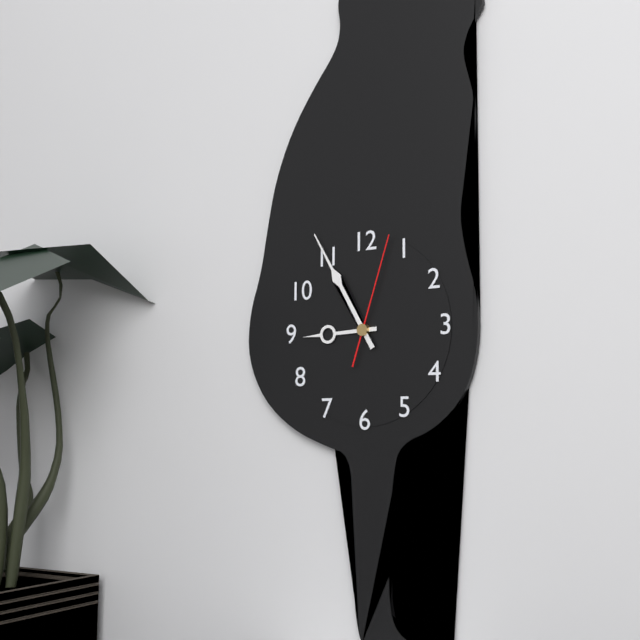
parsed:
**8:55:03**
